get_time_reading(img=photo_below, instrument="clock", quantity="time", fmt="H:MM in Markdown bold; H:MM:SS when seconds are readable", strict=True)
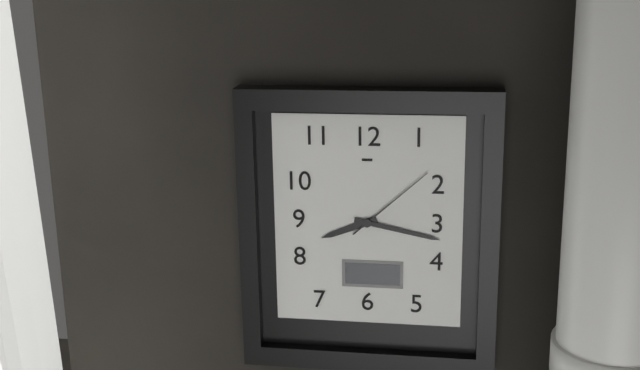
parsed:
**8:17:08**
